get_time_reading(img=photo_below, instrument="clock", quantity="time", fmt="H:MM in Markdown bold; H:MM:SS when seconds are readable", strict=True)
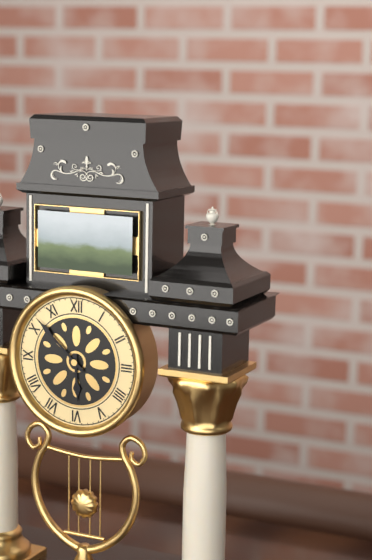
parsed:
**5:52**
